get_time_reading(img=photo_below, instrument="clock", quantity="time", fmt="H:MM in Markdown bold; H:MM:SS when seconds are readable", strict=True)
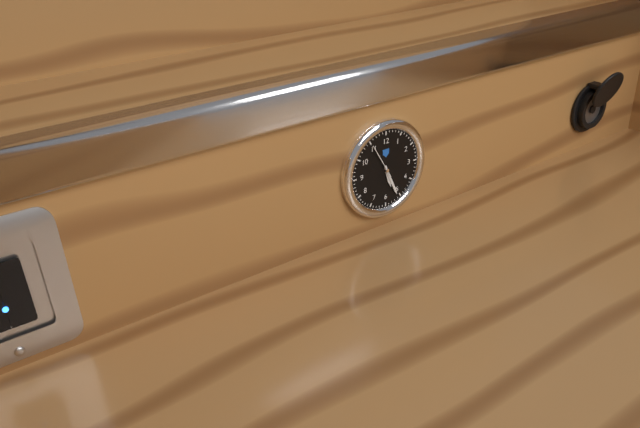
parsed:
**5:26**
